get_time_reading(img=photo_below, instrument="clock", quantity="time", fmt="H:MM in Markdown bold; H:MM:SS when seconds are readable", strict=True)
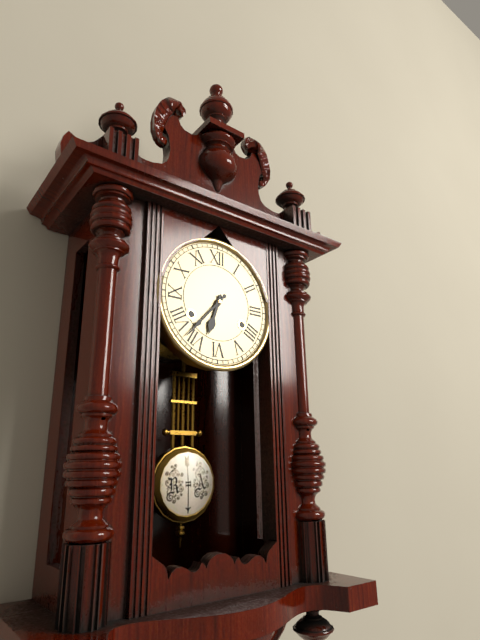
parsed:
**6:37**
